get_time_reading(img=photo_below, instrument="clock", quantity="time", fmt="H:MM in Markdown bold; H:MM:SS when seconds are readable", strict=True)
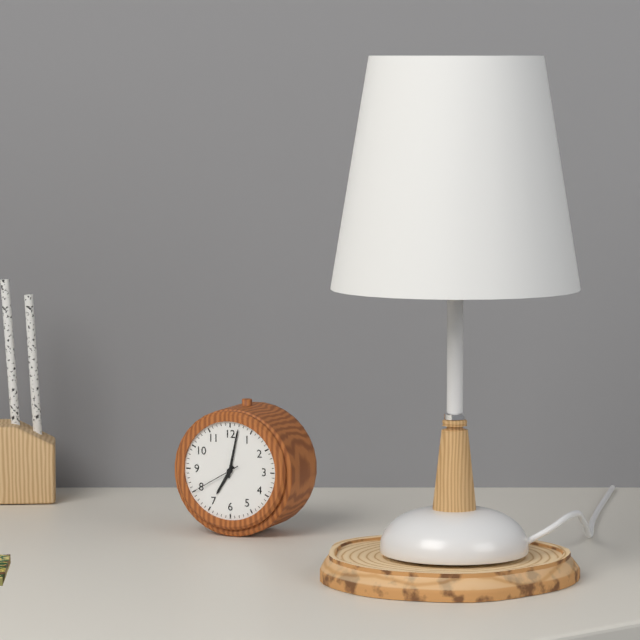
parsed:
**7:02:40**
